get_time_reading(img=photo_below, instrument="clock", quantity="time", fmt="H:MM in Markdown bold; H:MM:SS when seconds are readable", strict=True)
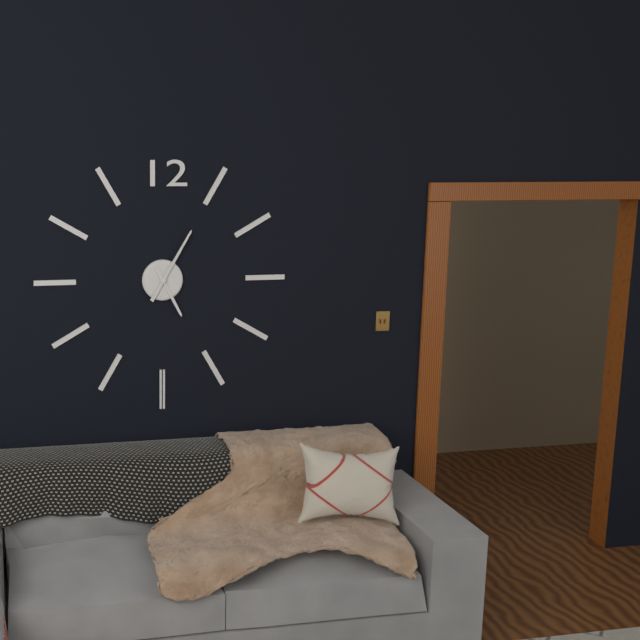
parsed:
**5:05**
